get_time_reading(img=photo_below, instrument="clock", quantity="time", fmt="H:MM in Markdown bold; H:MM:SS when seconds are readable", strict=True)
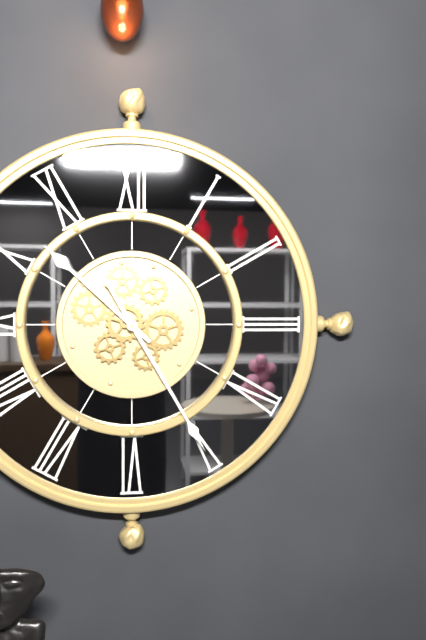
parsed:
**10:25**
